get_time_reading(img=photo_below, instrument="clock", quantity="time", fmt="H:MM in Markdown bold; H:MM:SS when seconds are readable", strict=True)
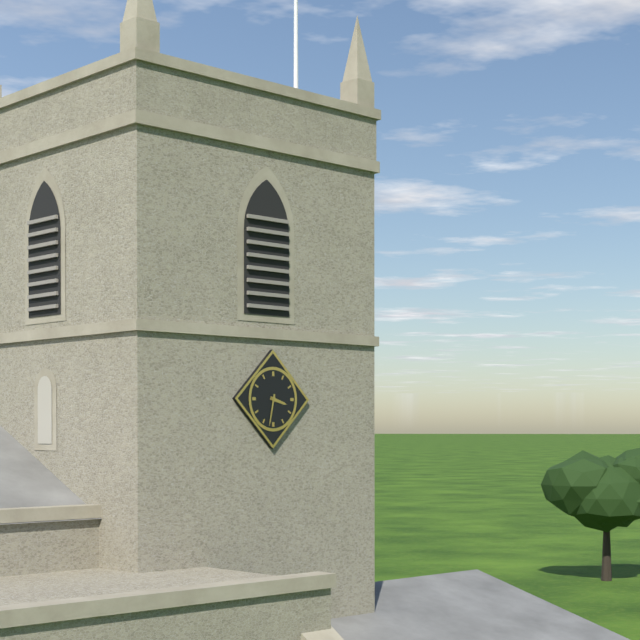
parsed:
**3:32**
